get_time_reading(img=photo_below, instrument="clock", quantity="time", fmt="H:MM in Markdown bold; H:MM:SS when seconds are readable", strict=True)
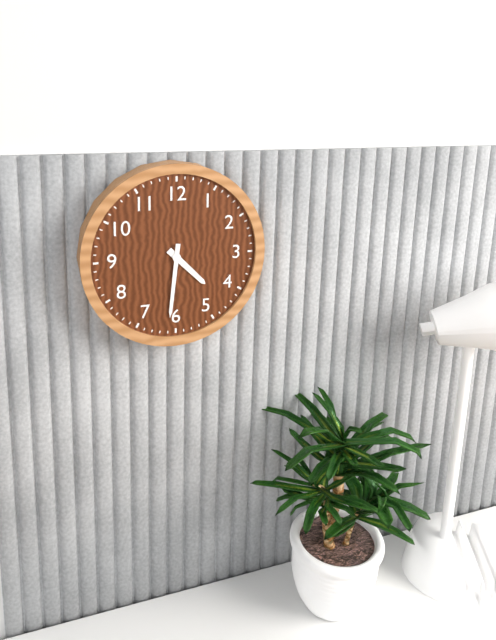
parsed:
**4:31**
